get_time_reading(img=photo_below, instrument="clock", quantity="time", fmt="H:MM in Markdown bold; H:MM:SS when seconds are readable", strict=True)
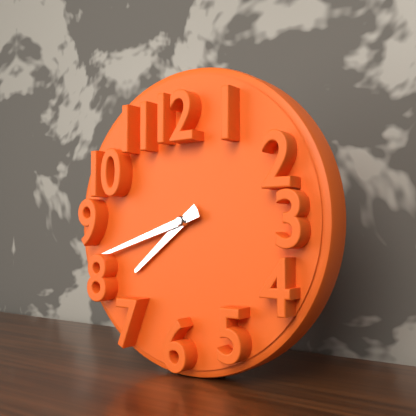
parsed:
**7:42**
